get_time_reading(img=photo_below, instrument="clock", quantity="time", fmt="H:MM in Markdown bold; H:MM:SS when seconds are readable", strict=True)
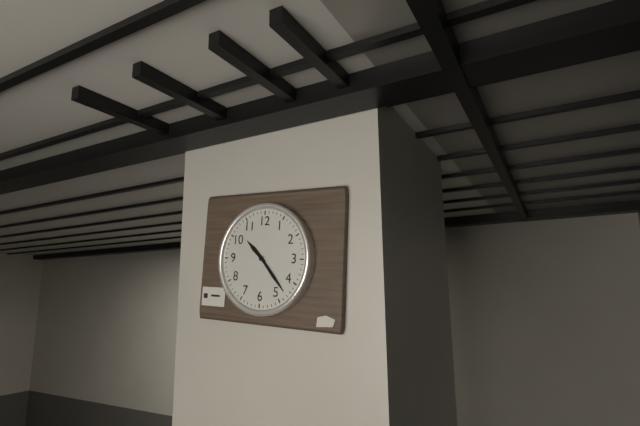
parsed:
**10:23**
